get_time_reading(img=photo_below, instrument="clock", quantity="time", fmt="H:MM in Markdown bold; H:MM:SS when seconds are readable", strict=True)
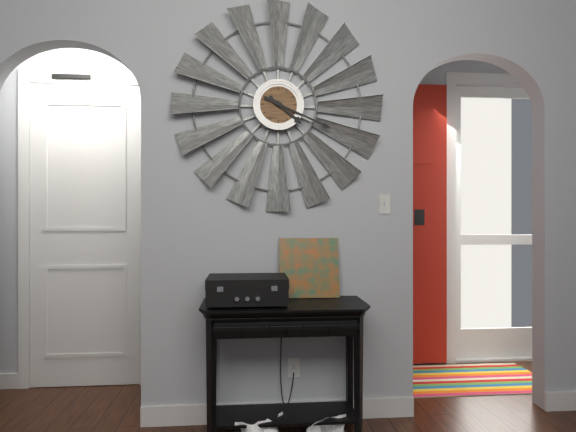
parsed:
**4:19**
